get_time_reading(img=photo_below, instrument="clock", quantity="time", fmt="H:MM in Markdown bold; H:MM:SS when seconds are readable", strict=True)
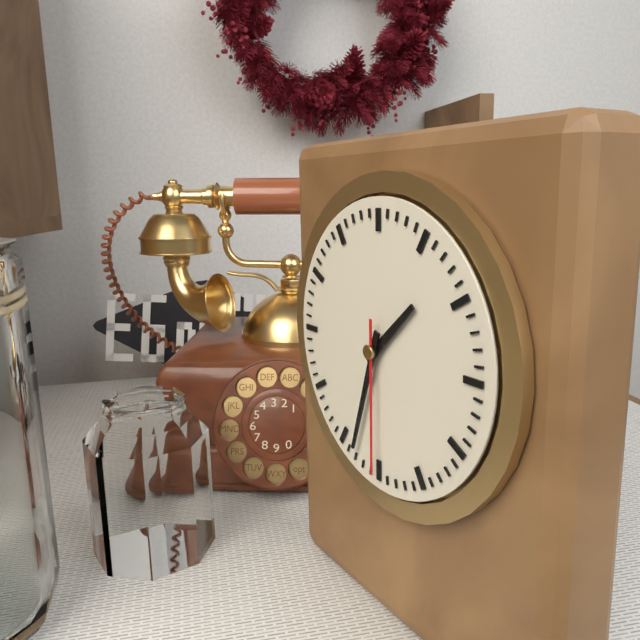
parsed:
**1:33:30**
